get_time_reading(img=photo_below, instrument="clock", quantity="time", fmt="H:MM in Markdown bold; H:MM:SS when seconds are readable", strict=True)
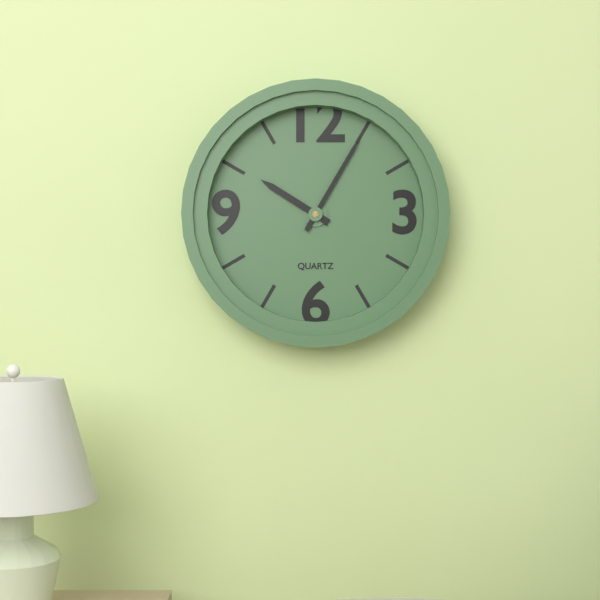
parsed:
**10:05**
